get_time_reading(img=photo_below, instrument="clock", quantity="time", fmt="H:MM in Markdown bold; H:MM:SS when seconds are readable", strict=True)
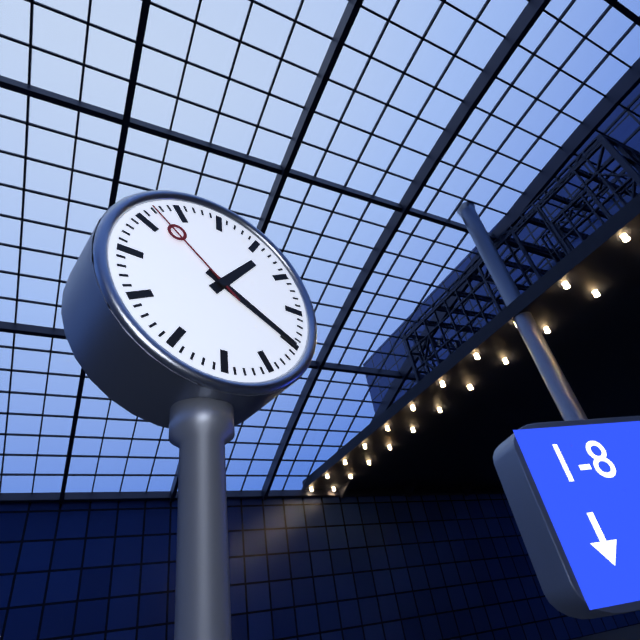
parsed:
**1:20:52**
